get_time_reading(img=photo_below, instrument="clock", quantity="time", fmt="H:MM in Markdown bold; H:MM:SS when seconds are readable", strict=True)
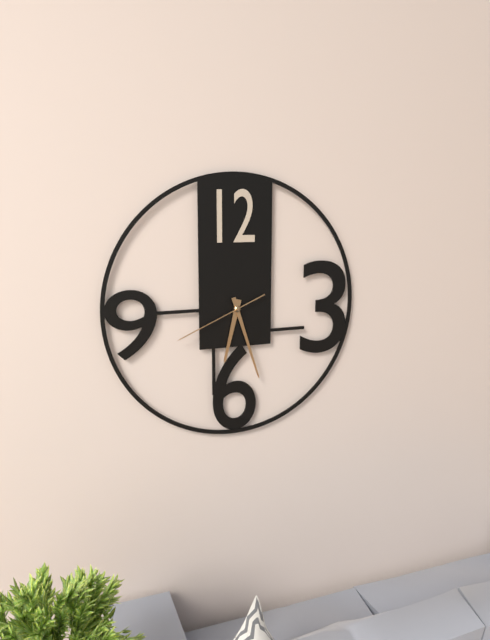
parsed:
**6:27:41**
